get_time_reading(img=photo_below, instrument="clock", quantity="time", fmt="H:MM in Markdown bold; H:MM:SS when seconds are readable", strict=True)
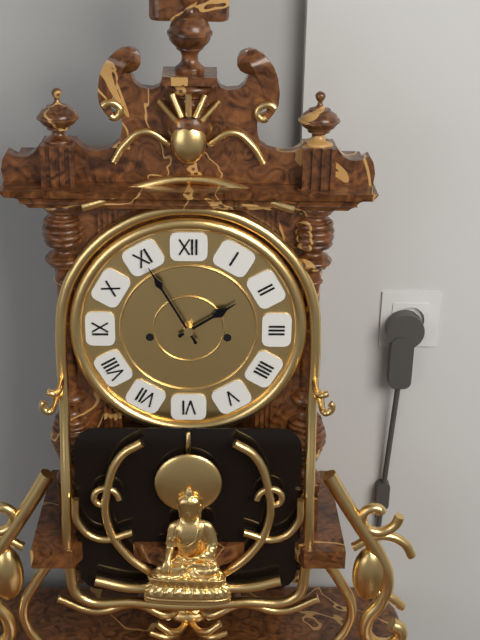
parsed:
**1:55**
